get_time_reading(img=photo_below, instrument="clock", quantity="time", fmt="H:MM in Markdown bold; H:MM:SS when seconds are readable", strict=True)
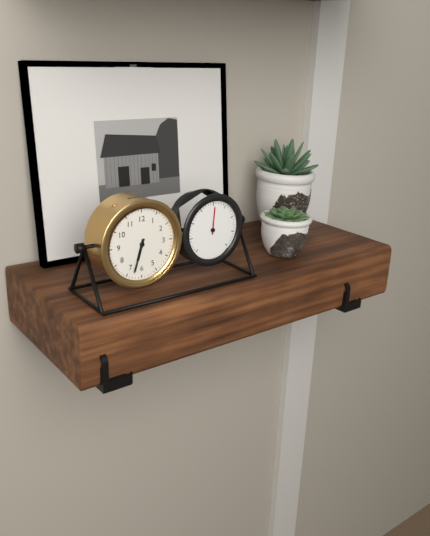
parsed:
**6:33**
